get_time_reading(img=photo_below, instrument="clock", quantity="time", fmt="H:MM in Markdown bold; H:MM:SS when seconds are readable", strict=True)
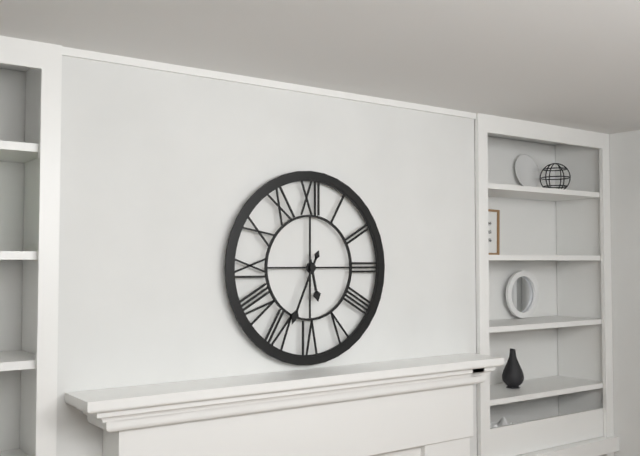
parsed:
**5:34**
